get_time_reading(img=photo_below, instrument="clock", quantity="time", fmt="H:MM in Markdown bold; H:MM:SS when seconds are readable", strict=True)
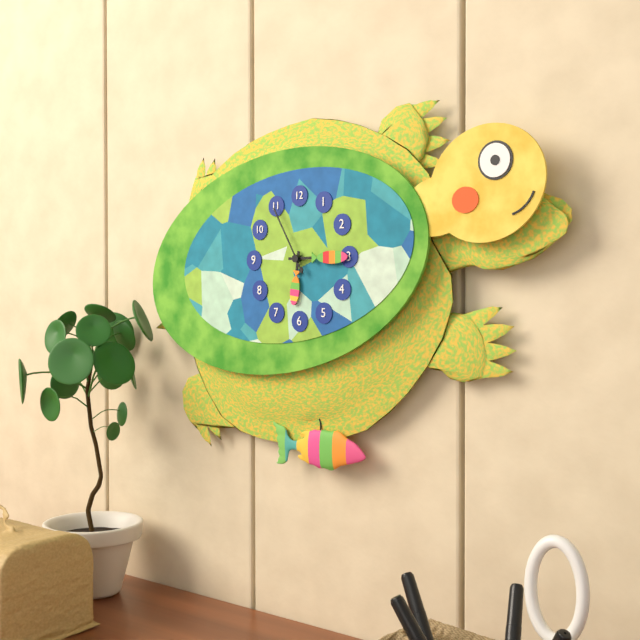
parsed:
**6:15:55**
